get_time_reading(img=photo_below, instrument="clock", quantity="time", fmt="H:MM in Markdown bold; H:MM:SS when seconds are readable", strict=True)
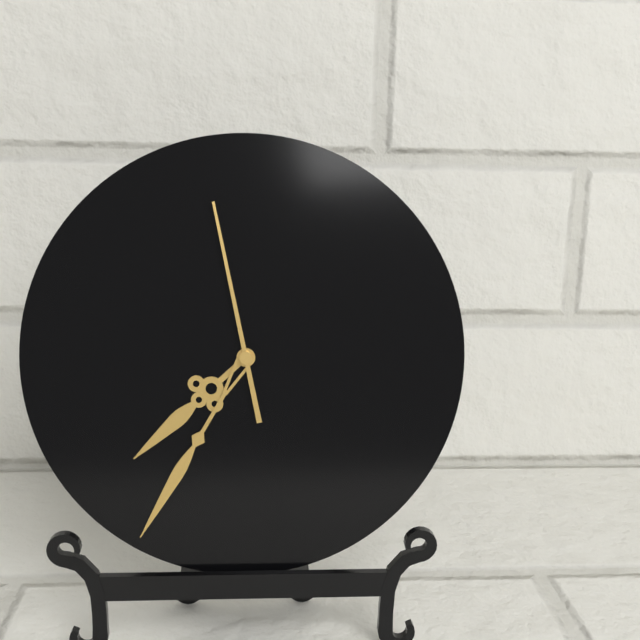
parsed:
**7:35:58**
